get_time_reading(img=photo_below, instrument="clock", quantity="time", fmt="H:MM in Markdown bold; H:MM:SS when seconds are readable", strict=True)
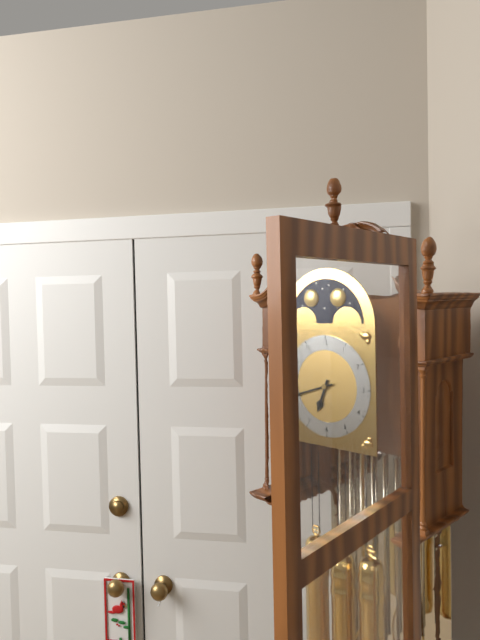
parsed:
**6:42**
